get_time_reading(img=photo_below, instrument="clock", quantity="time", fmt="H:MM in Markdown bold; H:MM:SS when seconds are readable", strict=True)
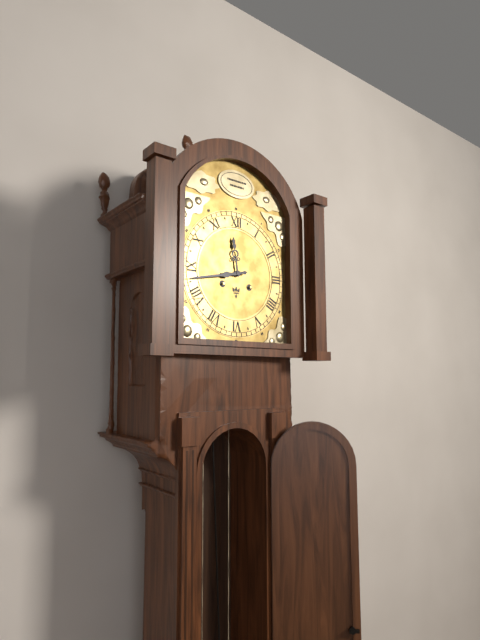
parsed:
**11:43**
